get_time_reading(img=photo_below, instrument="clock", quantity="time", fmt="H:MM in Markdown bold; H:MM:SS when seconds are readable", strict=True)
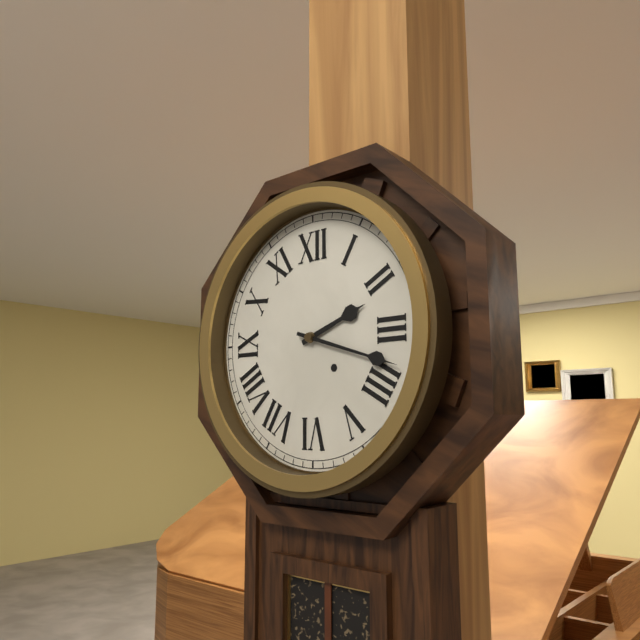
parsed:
**2:18**
